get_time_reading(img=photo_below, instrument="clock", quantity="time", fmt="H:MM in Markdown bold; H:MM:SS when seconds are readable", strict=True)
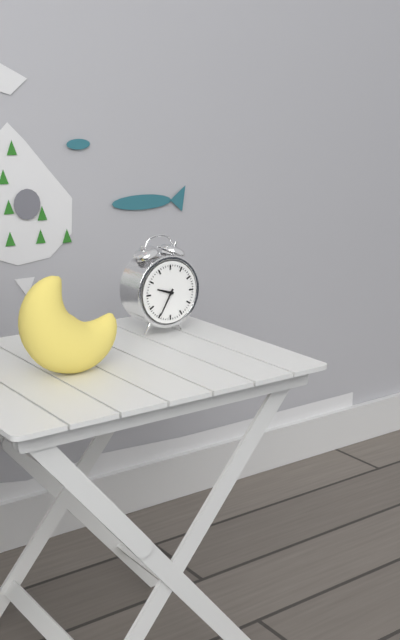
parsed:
**9:35**
